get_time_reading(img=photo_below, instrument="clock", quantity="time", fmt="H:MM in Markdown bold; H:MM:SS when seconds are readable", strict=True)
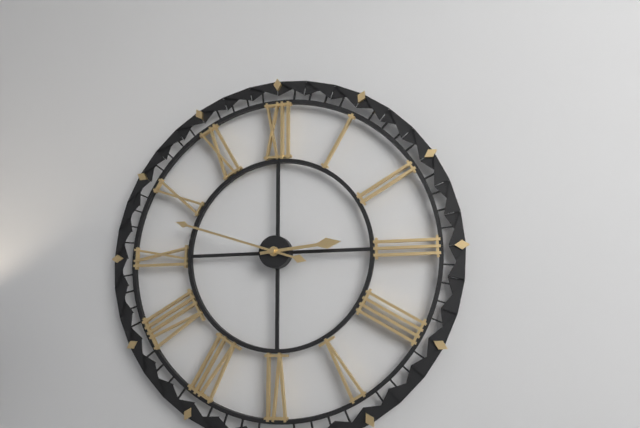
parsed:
**2:48**
